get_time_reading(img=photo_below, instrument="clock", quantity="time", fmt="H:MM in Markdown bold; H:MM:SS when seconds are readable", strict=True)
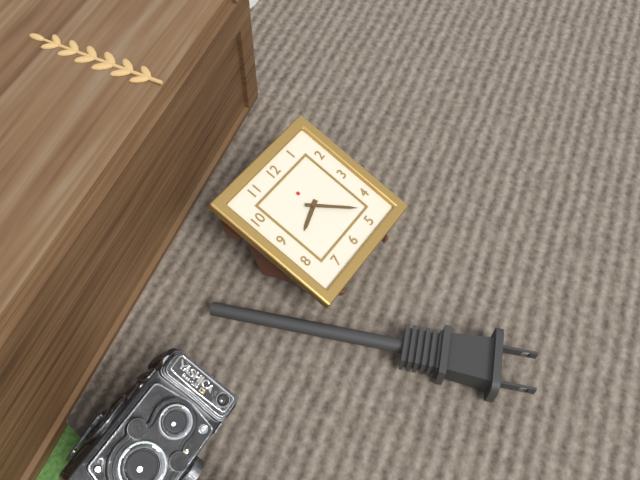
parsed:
**8:23**
